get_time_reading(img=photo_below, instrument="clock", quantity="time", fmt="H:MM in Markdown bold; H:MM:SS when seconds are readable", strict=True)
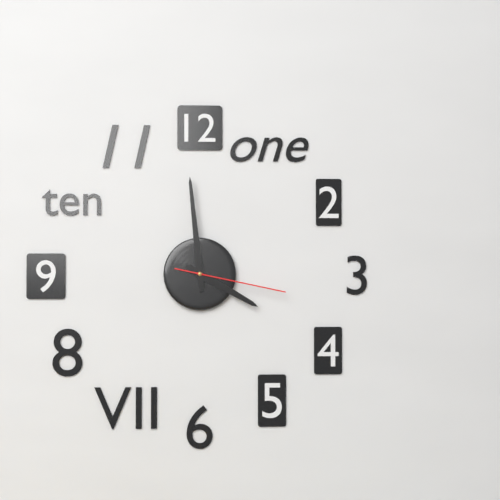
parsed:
**3:59:17**
